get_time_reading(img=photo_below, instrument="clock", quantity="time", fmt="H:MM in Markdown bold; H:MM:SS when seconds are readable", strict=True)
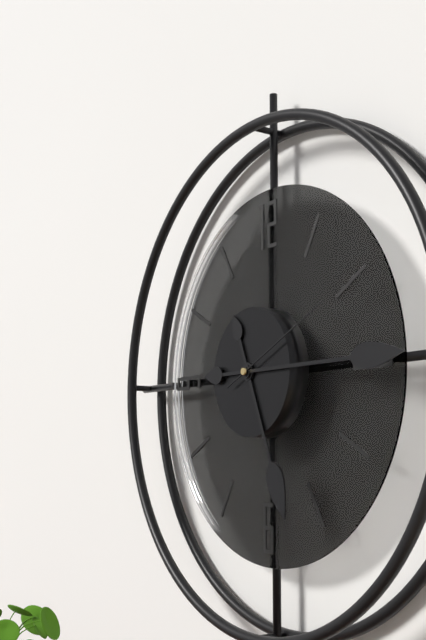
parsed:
**5:15:11**
